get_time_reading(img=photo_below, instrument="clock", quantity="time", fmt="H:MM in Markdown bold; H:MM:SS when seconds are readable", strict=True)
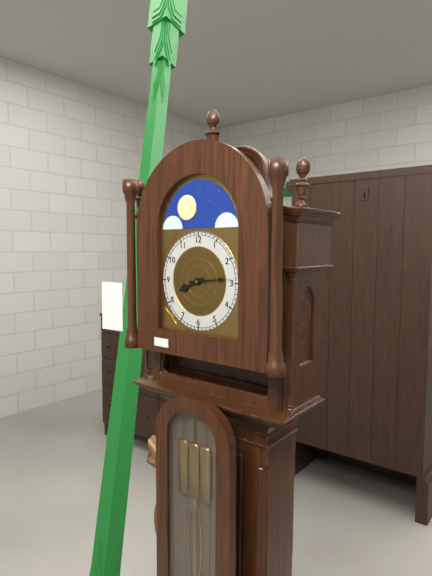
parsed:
**8:14**
